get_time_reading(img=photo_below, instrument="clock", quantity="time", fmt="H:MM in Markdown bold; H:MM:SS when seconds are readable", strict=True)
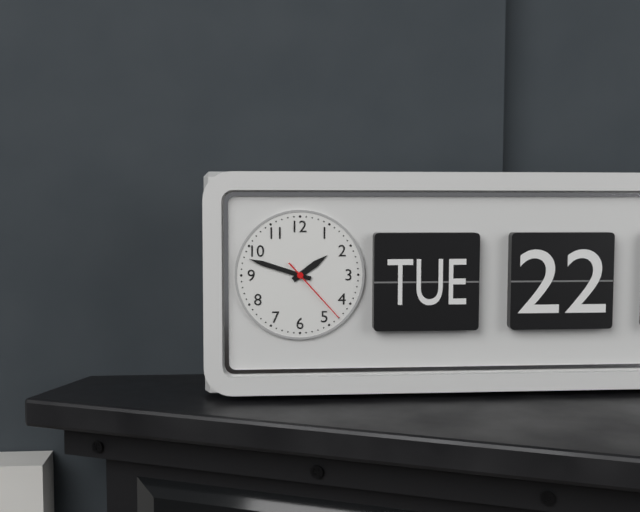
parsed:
**1:48:23**
